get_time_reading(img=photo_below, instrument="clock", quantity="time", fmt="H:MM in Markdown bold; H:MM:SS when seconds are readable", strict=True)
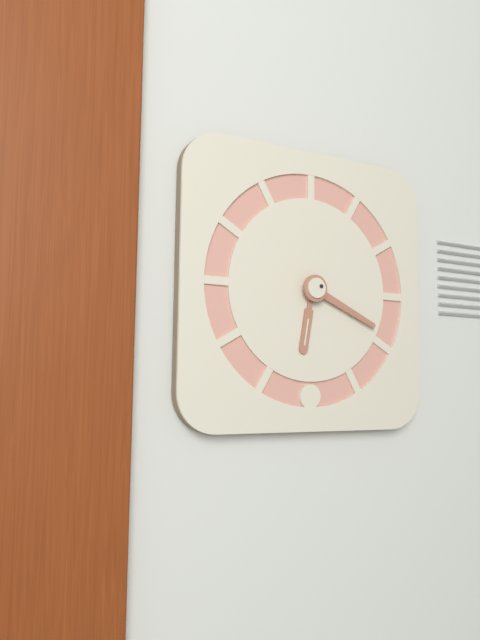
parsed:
**6:19**
